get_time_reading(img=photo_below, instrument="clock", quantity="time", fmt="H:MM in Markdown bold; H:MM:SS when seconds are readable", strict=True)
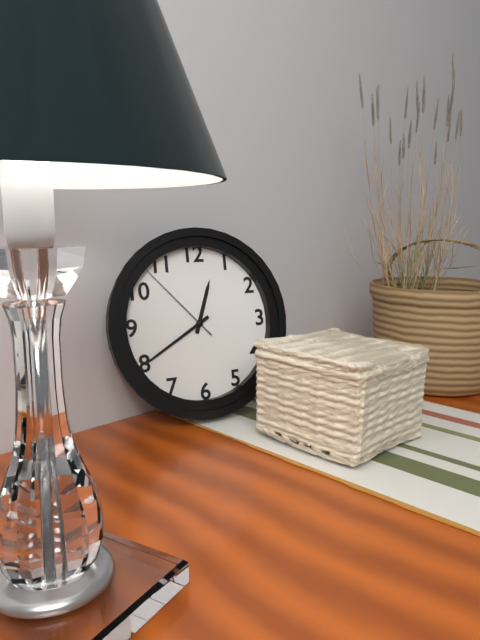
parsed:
**12:40:53**
